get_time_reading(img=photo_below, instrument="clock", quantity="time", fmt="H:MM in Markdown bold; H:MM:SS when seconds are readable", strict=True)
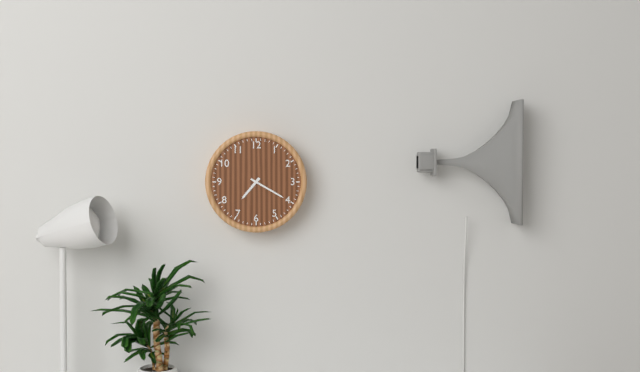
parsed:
**7:20**
